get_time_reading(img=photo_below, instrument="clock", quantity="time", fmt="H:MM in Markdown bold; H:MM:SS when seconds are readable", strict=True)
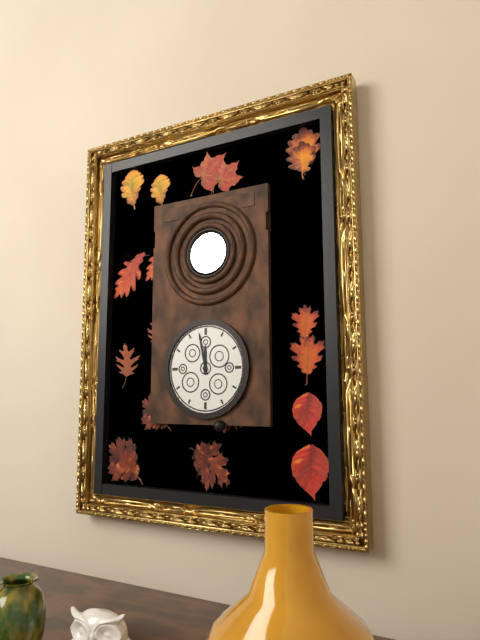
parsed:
**11:58**
